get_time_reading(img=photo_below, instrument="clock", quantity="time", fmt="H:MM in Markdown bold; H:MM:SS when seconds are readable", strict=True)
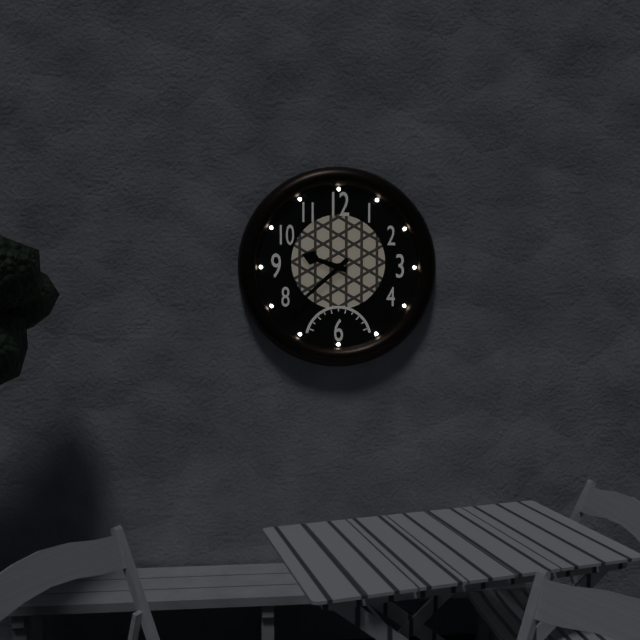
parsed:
**9:38**
